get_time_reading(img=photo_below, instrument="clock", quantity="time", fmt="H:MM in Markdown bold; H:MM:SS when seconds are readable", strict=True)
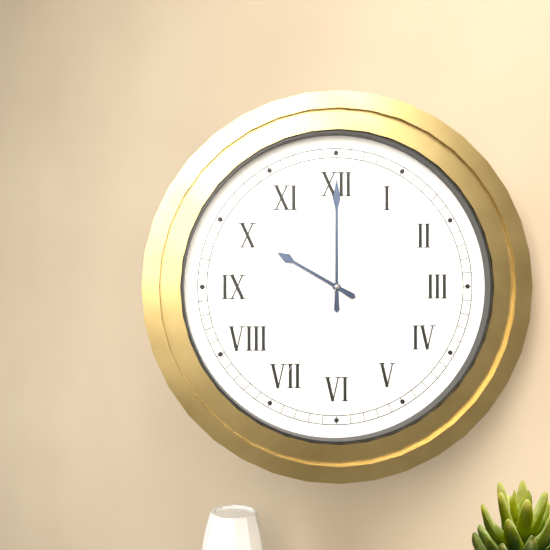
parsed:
**10:00:35**
